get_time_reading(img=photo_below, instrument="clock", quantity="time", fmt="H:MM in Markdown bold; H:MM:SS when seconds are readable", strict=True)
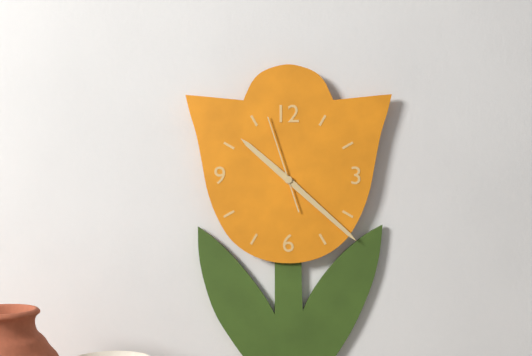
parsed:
**10:22:57**
